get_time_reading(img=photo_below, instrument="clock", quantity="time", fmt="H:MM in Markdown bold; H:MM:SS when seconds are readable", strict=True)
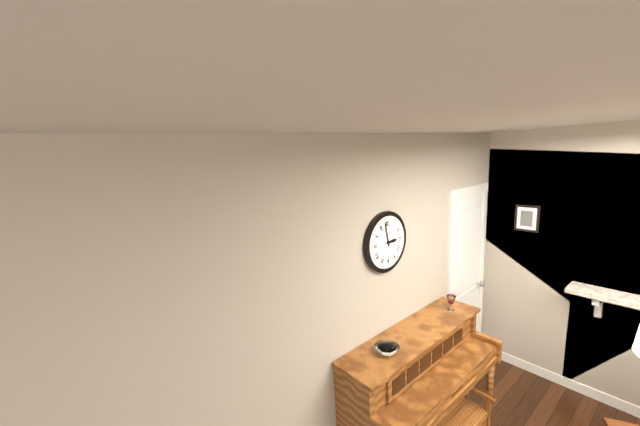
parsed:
**2:58**
